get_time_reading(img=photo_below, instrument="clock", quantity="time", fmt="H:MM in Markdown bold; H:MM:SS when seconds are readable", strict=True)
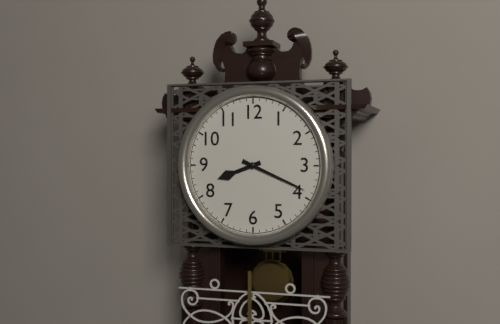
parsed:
**8:19**
